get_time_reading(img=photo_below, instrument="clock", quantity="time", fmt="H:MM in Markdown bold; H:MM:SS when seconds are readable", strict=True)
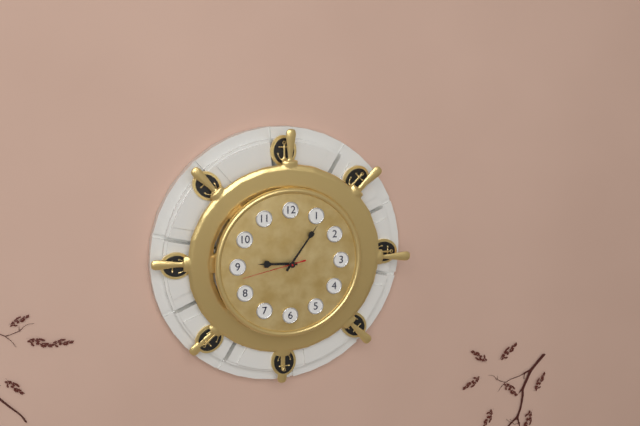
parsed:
**9:06:43**
